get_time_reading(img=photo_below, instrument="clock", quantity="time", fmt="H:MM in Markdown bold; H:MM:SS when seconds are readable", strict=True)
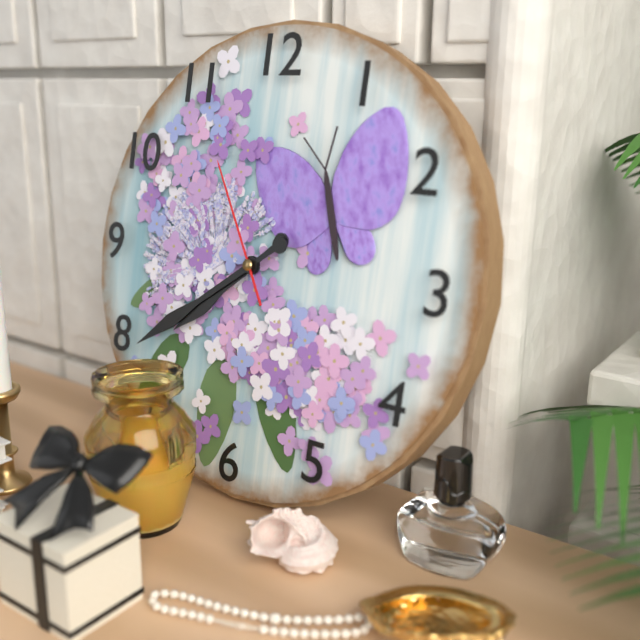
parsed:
**7:39:55**
